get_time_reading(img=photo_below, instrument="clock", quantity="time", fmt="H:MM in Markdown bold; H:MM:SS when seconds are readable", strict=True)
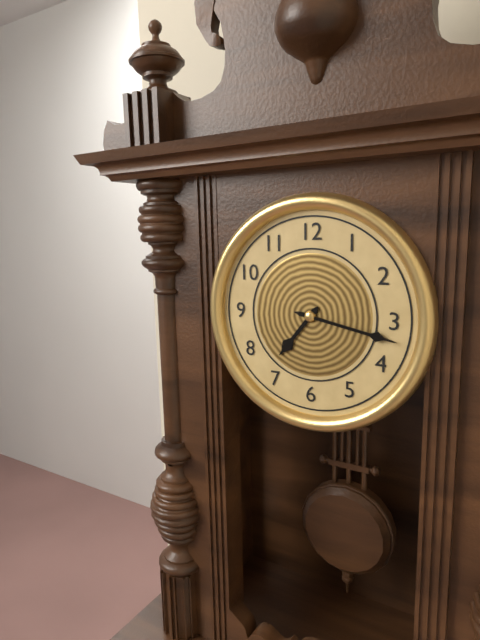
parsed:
**7:17**
